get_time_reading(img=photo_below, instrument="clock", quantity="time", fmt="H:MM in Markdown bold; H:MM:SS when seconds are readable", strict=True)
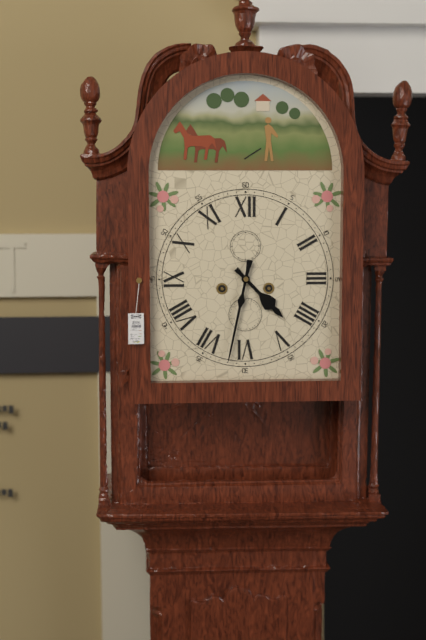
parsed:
**4:32**
